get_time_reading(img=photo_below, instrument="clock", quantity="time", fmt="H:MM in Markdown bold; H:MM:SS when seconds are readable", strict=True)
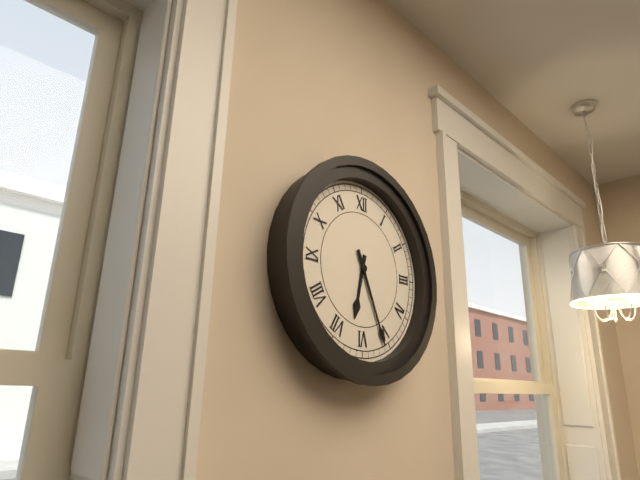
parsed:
**6:26**
